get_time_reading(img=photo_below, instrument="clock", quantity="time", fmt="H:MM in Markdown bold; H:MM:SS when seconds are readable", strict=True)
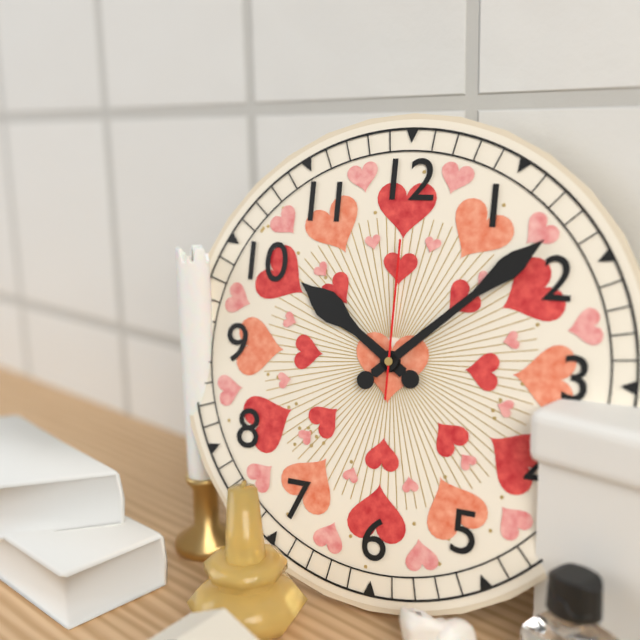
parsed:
**10:08:00**
